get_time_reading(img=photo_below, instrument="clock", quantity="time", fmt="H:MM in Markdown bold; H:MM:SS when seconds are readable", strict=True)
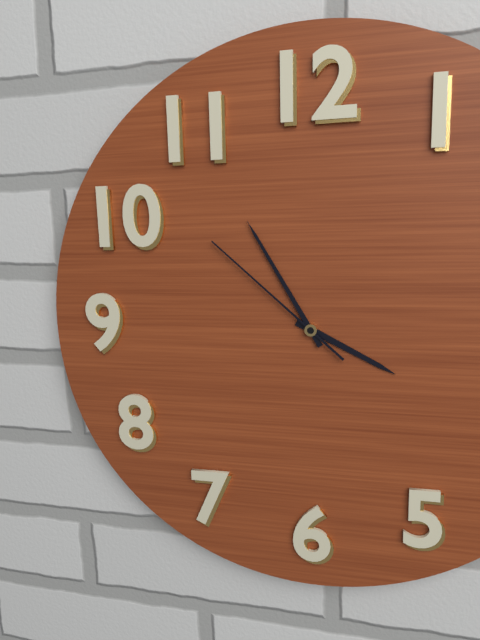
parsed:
**3:55:52**
